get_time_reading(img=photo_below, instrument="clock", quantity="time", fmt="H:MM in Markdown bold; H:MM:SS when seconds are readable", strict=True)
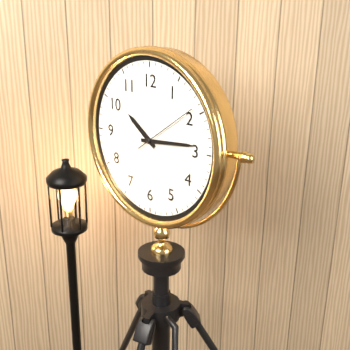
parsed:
**10:14:09**
